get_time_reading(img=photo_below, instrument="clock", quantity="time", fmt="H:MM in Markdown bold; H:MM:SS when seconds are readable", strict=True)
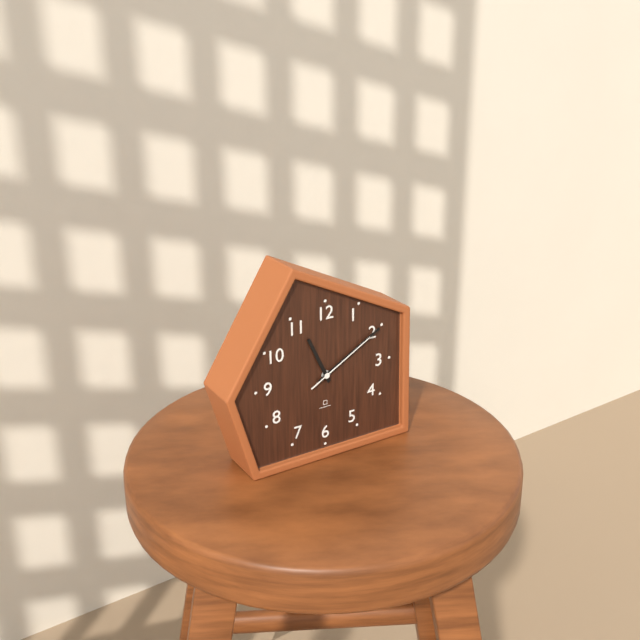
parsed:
**11:10:10**
